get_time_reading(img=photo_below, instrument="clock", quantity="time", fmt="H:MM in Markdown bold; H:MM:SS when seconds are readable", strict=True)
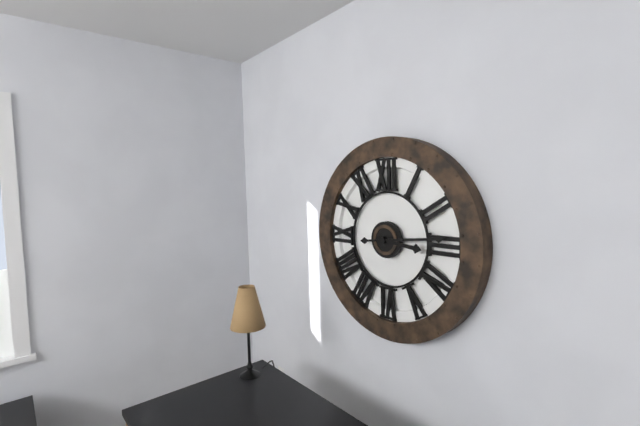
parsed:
**3:14**
